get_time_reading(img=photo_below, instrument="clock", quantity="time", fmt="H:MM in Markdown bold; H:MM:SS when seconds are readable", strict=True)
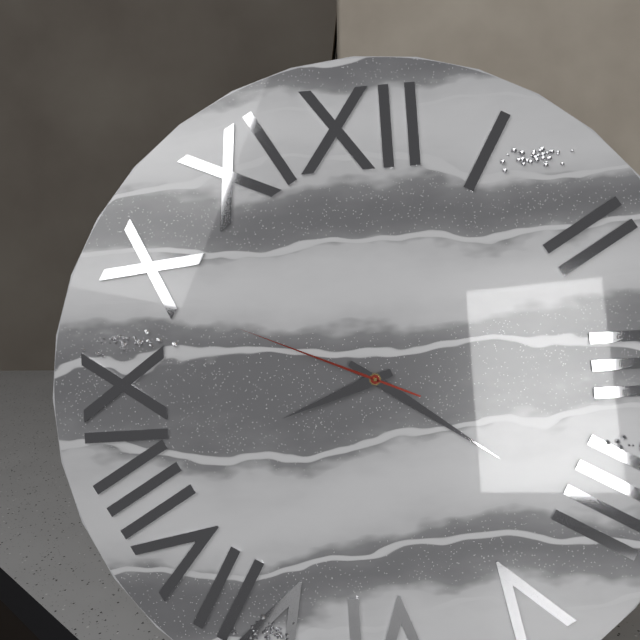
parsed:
**8:21:49**
